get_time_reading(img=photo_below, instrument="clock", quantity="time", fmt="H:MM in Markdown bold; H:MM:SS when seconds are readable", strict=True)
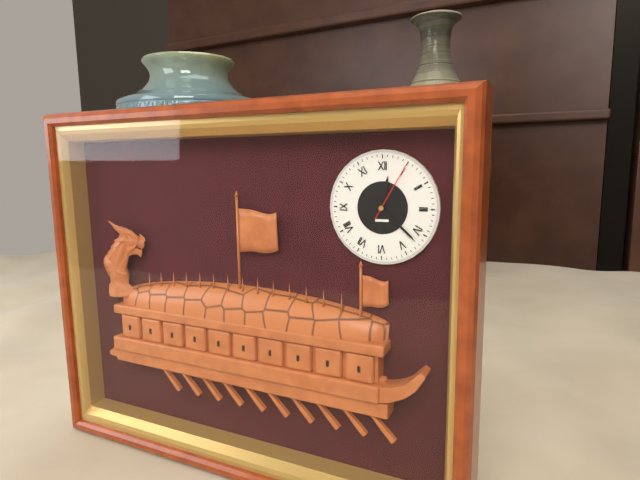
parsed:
**12:22:05**
